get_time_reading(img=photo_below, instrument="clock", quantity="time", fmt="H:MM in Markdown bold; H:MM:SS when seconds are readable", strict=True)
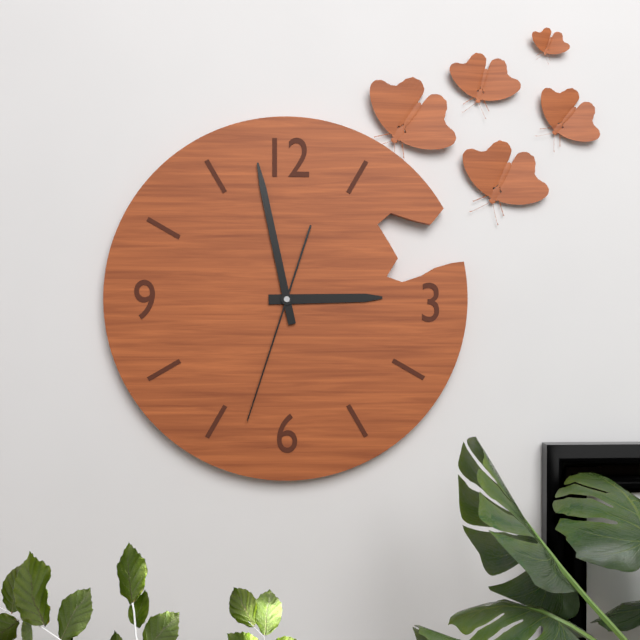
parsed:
**2:58:33**
